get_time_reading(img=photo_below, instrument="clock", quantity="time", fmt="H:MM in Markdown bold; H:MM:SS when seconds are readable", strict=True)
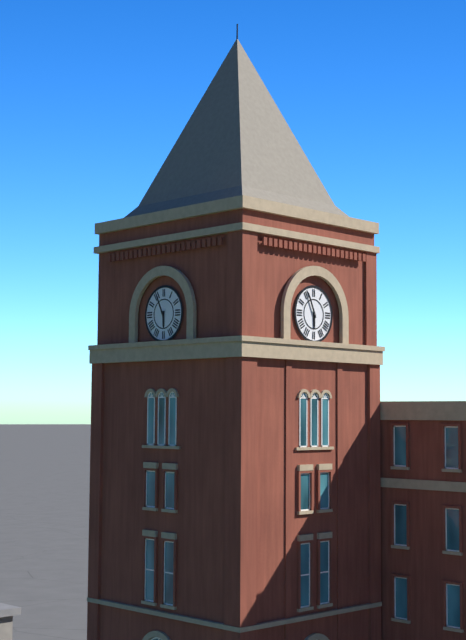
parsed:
**5:56**
